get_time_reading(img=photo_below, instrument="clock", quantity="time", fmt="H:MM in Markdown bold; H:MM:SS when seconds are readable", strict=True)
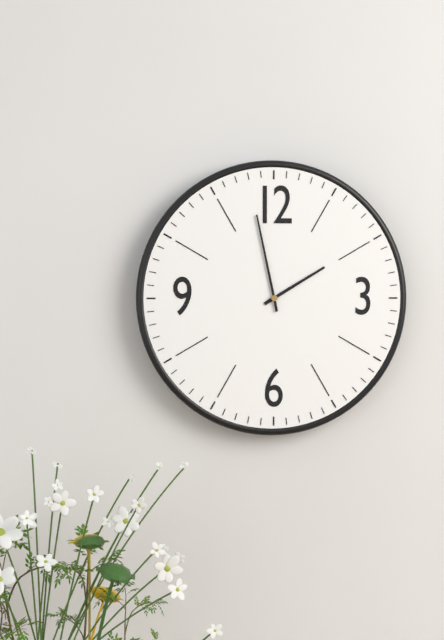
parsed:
**1:58**
